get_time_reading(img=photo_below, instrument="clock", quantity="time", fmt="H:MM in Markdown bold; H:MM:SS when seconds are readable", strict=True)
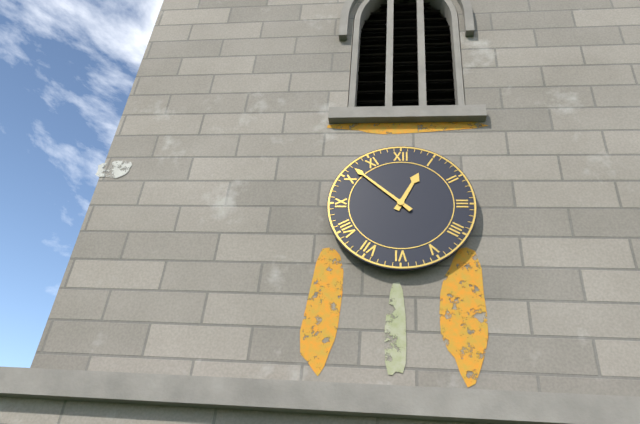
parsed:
**12:52**
